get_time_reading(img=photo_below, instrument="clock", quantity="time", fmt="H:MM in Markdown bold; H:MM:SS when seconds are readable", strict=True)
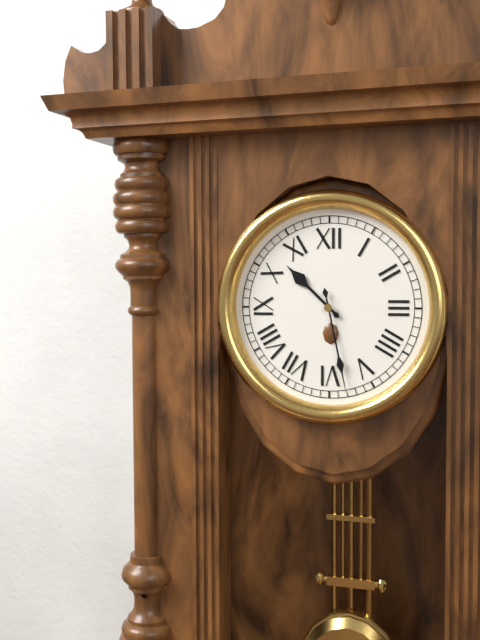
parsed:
**10:28**
